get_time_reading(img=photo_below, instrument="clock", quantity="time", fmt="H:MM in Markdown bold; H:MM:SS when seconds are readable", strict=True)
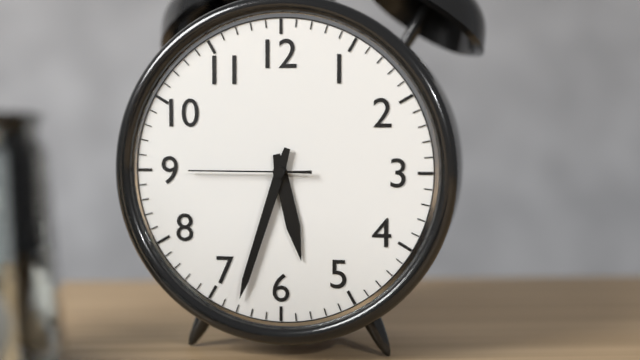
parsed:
**5:33:45**
